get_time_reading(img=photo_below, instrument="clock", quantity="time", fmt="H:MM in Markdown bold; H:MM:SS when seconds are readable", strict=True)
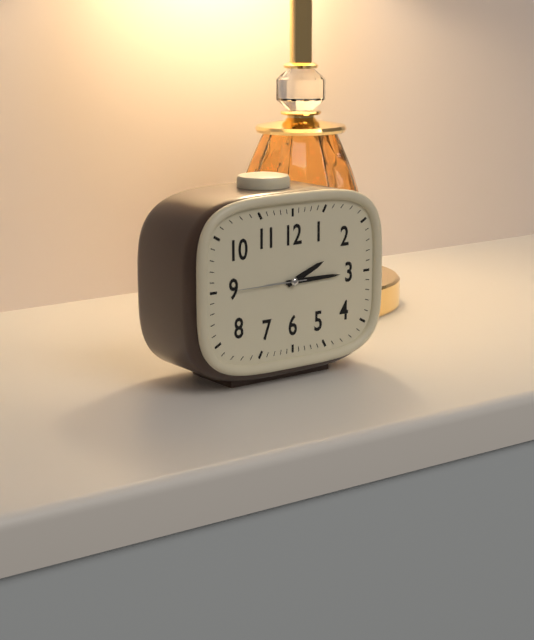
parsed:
**2:15:45**
